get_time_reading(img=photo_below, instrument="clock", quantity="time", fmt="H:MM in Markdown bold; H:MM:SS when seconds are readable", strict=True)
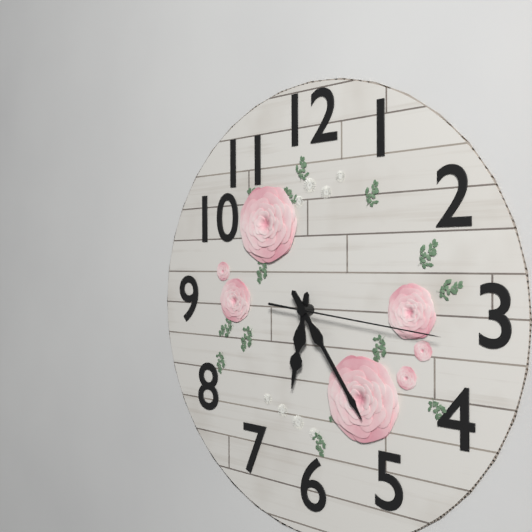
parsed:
**6:24:16**
